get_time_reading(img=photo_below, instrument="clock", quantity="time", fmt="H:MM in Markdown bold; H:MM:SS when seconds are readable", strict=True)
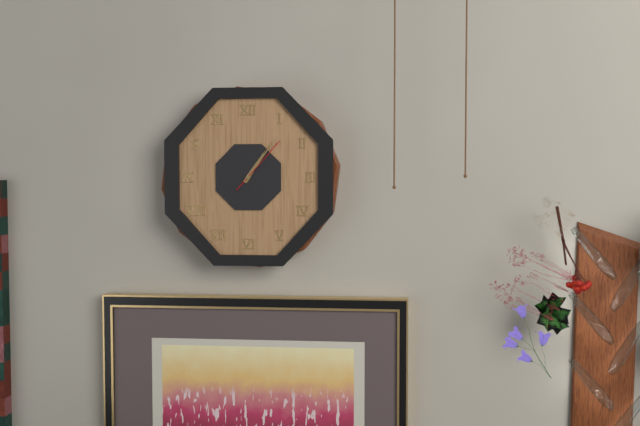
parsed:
**1:06:07**
